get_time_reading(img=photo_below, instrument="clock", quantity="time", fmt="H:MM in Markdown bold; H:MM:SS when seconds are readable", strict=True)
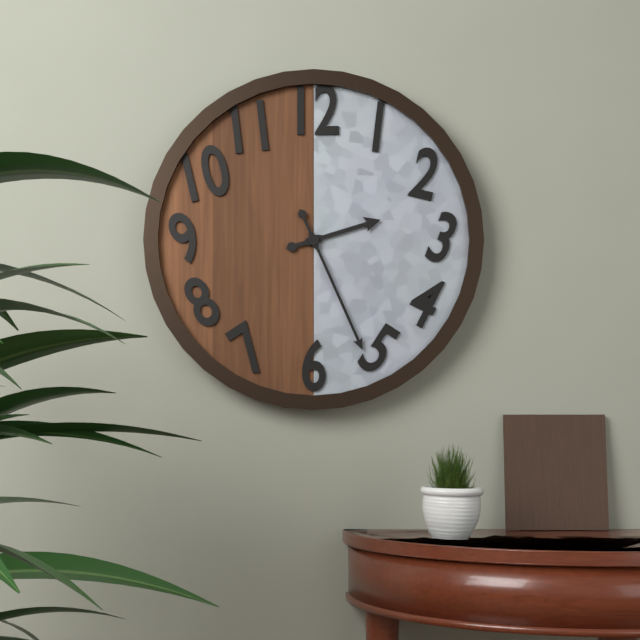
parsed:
**2:26**
